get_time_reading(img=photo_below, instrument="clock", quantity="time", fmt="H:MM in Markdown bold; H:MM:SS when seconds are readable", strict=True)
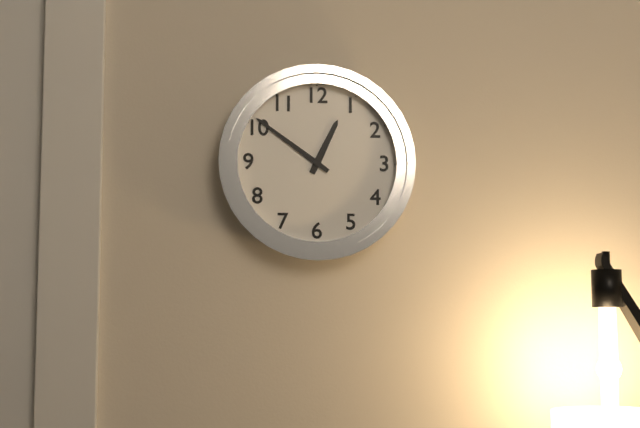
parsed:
**12:51**
